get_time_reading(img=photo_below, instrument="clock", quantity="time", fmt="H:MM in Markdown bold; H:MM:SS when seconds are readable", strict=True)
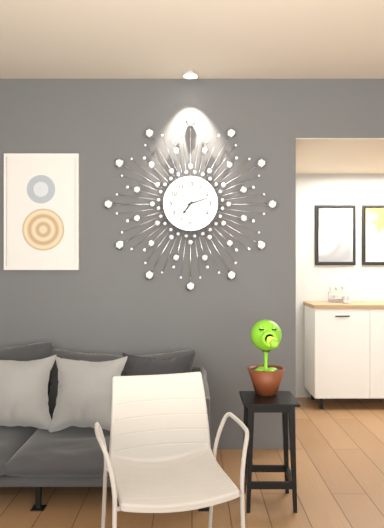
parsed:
**7:12**
